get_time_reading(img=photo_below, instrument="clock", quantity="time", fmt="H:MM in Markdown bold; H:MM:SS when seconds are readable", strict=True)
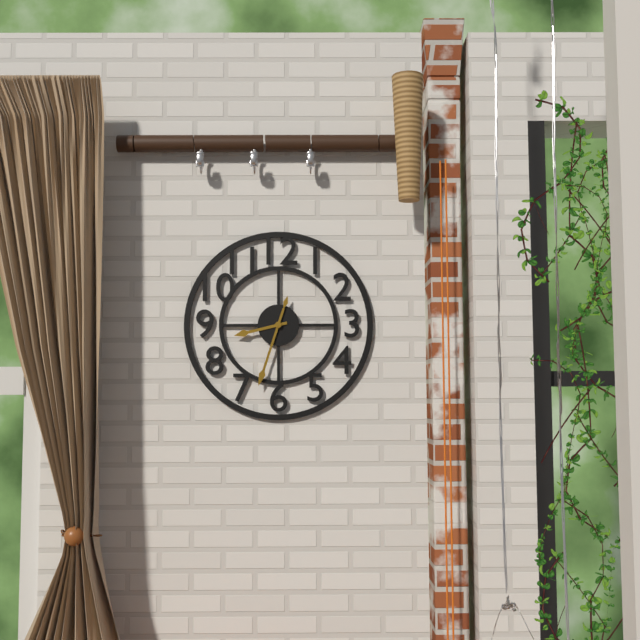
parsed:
**8:33**
